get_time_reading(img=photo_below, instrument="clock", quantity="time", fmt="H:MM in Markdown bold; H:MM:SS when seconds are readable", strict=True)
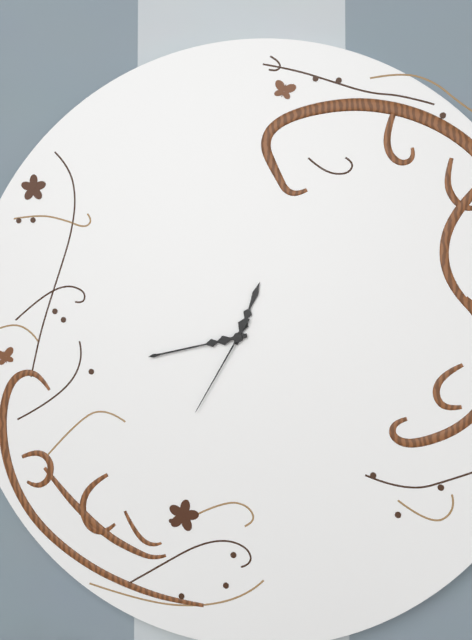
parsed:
**12:43:35**
